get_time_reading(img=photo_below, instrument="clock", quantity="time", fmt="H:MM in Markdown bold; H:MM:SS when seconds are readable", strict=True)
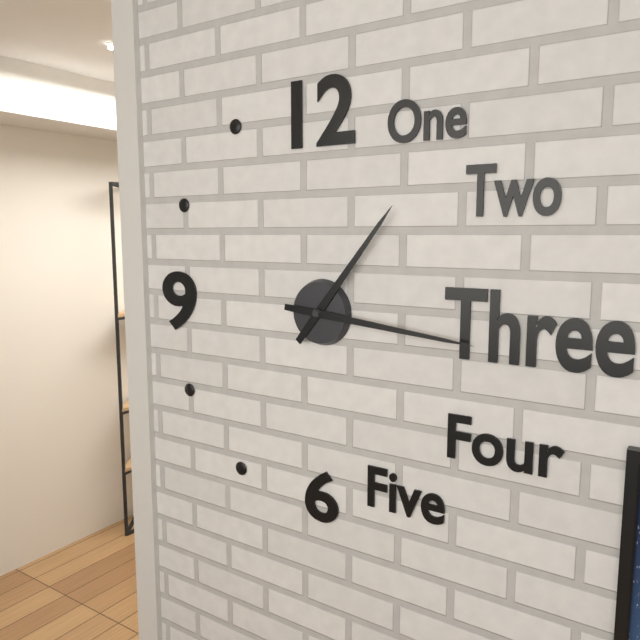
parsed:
**1:16**
